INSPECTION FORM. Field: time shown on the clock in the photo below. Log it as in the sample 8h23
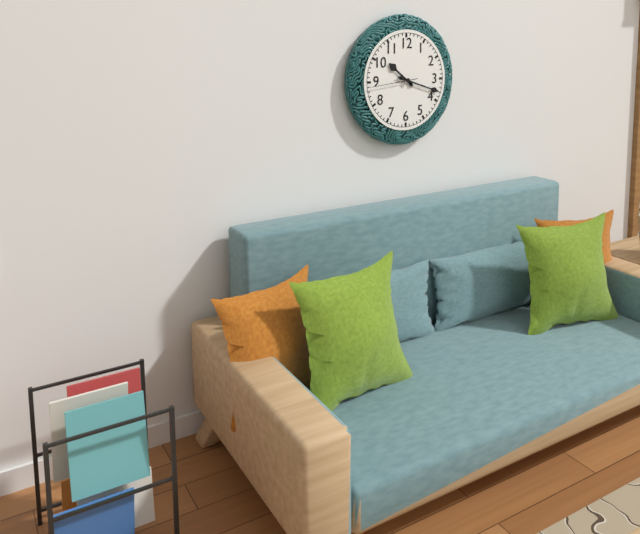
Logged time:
10h18
